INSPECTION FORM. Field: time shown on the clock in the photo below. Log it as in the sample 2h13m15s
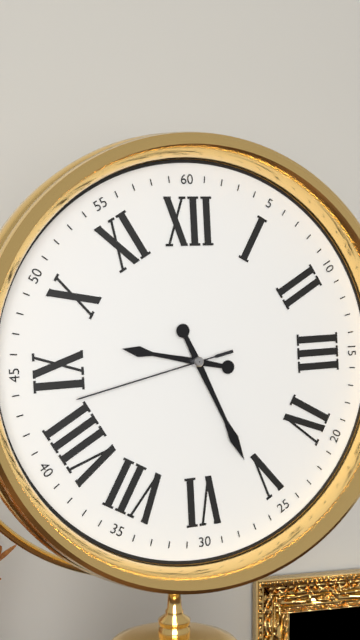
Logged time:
9h26m43s
